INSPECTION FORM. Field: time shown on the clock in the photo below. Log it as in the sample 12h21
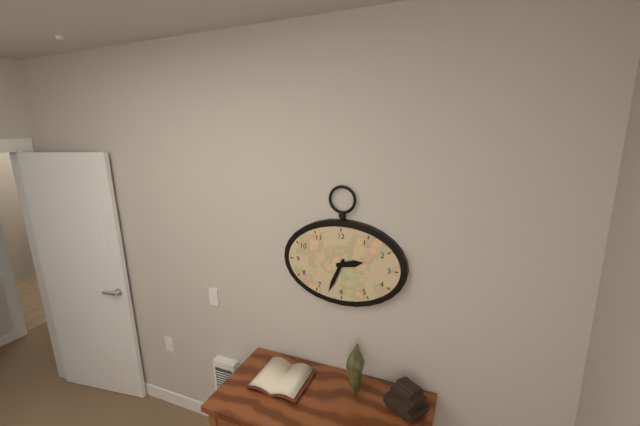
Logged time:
2h34
